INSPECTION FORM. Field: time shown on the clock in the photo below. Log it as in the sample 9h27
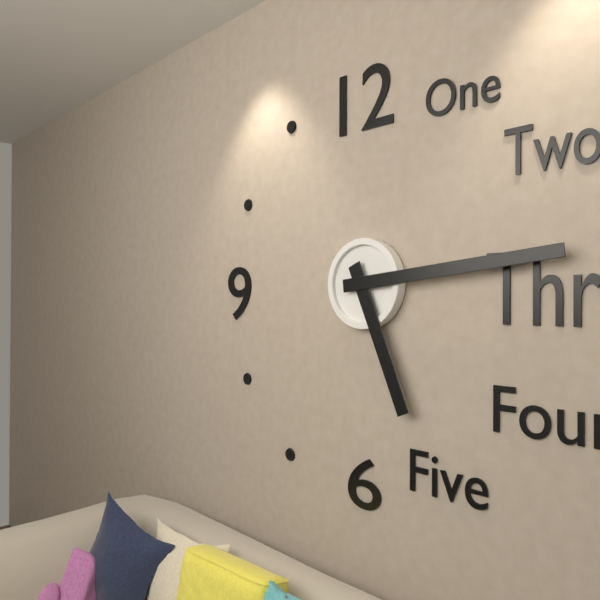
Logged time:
5h14
